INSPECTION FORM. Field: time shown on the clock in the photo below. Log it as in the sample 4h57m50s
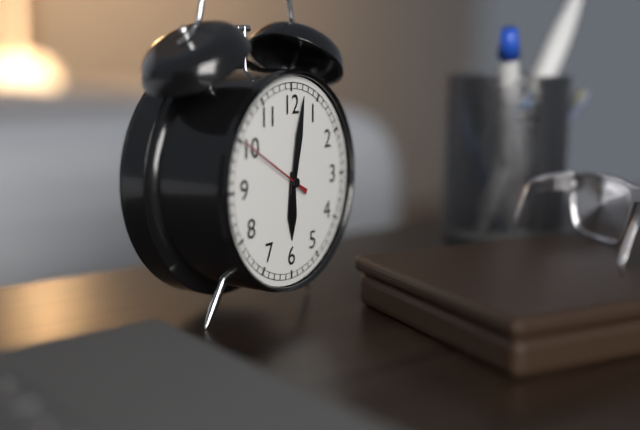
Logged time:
6h02m50s
